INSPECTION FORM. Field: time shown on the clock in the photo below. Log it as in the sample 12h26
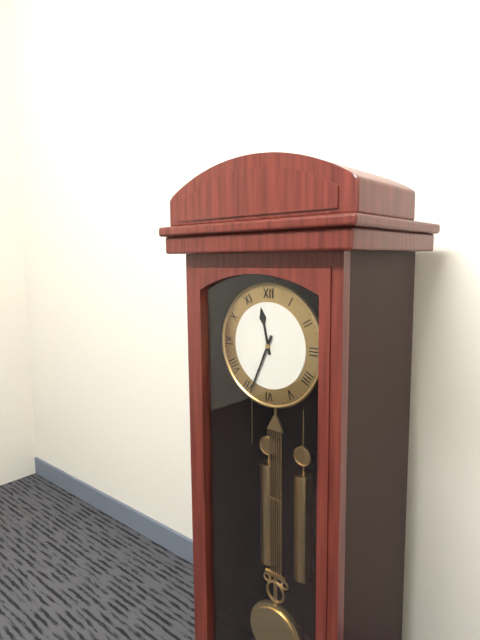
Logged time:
11h34
